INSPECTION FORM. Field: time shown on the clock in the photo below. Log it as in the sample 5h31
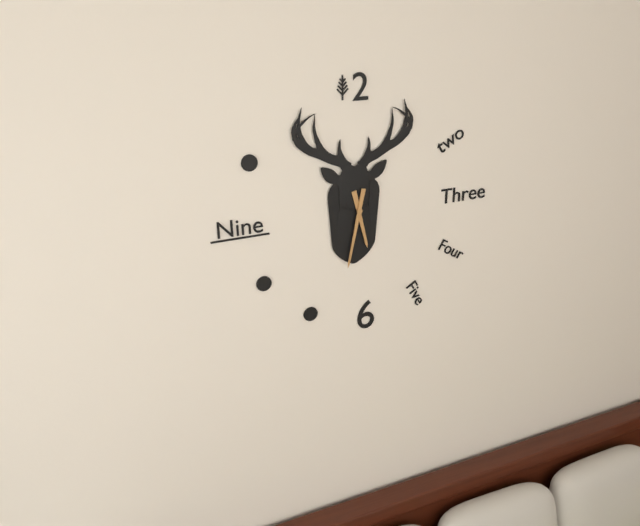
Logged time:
5h32
